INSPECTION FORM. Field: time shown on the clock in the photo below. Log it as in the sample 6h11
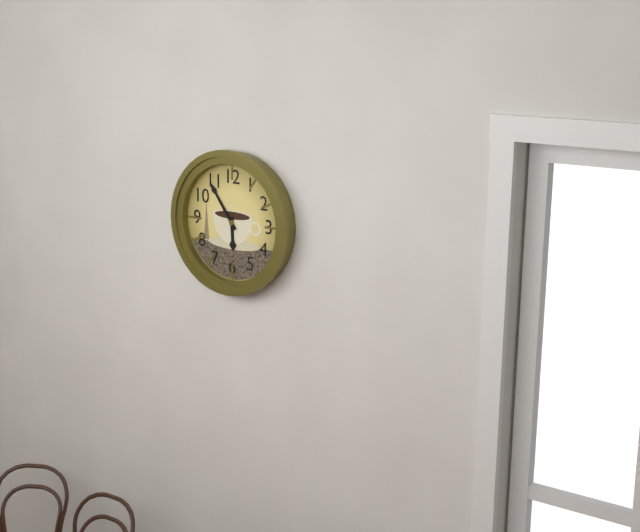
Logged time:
5h54
